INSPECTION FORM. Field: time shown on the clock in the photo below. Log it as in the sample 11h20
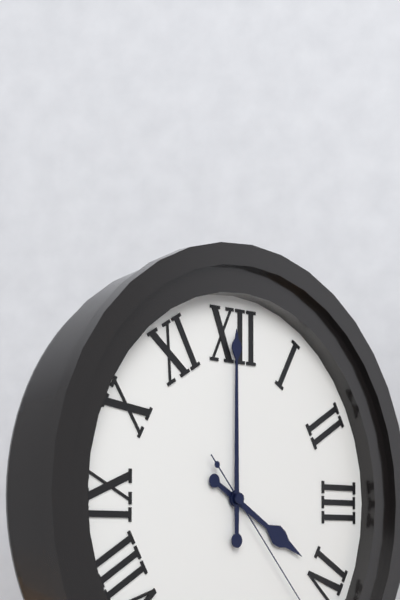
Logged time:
4h00
